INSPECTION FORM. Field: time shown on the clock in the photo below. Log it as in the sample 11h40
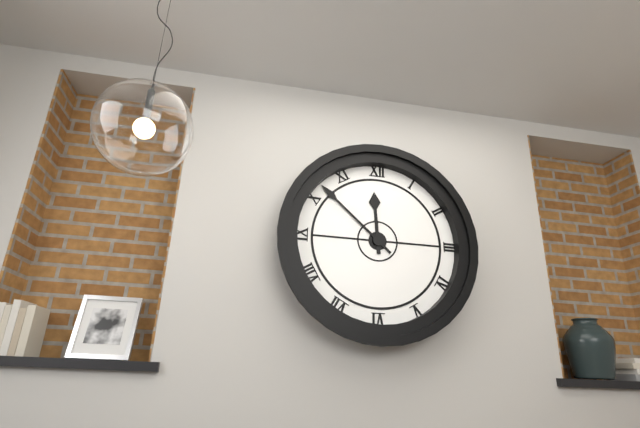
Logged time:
11h52
